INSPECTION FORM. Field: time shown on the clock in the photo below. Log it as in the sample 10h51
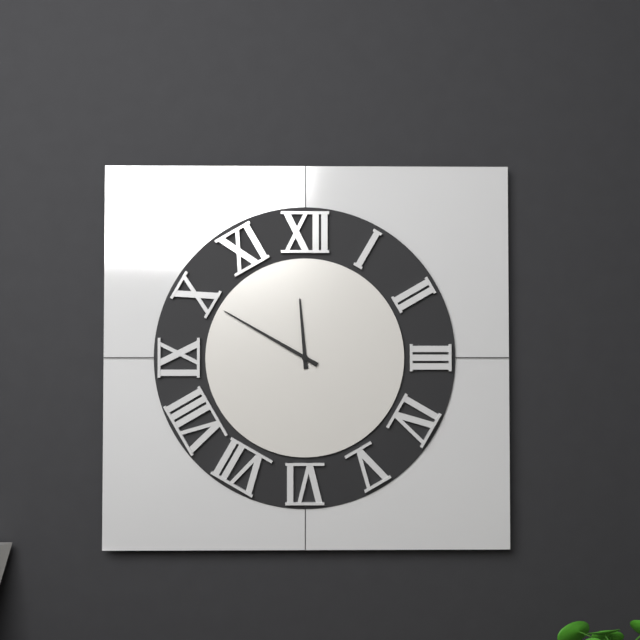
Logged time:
11h50
